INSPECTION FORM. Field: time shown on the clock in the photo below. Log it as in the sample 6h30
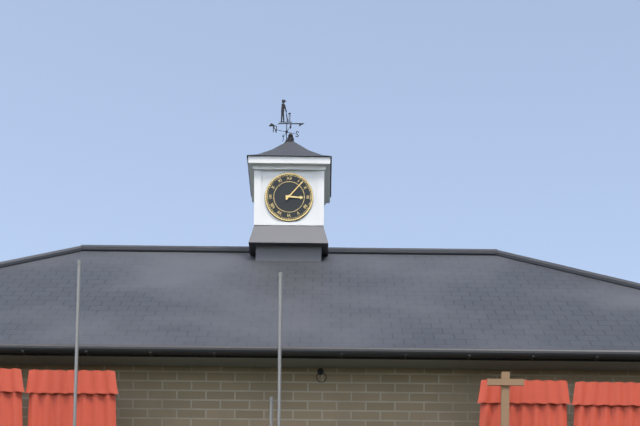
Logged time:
3h07
